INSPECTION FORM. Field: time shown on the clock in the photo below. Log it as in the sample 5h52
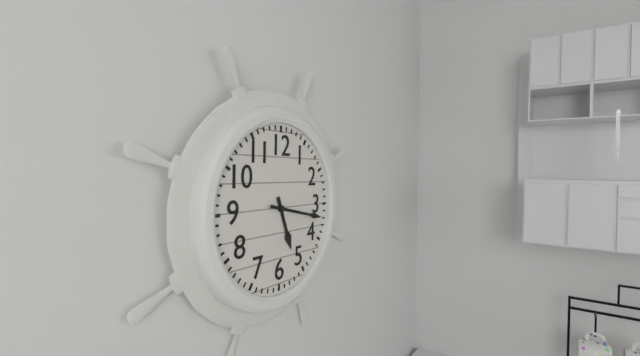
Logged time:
5h17
